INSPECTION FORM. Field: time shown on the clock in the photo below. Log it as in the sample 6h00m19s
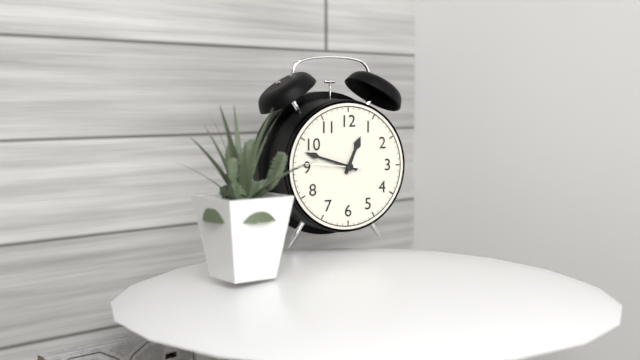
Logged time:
12h48m46s
